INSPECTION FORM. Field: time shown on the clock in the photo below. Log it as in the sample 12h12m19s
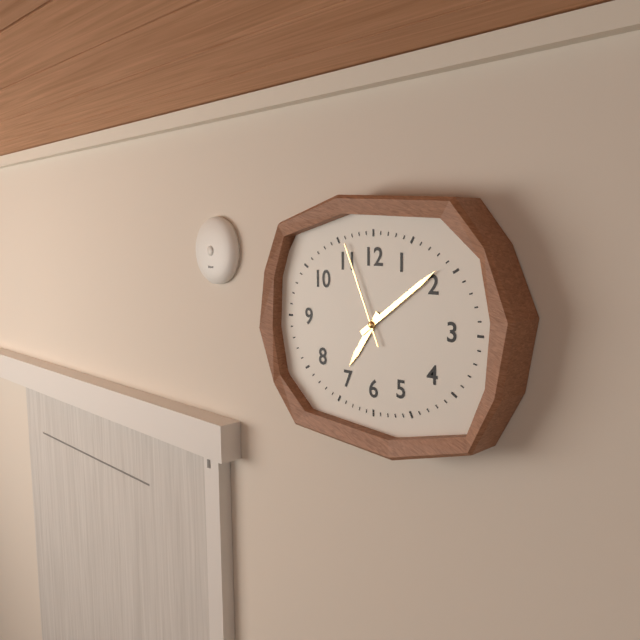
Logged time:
7h09m56s
